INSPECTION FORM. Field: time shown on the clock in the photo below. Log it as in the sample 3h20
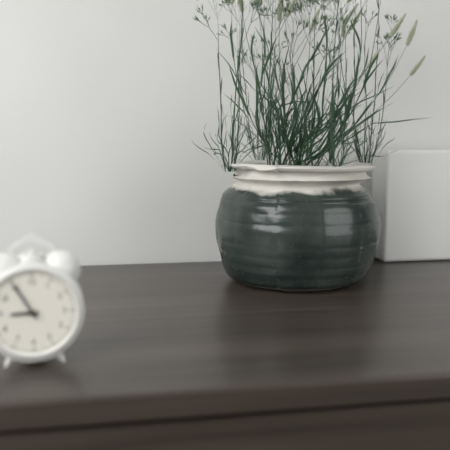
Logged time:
8h55
